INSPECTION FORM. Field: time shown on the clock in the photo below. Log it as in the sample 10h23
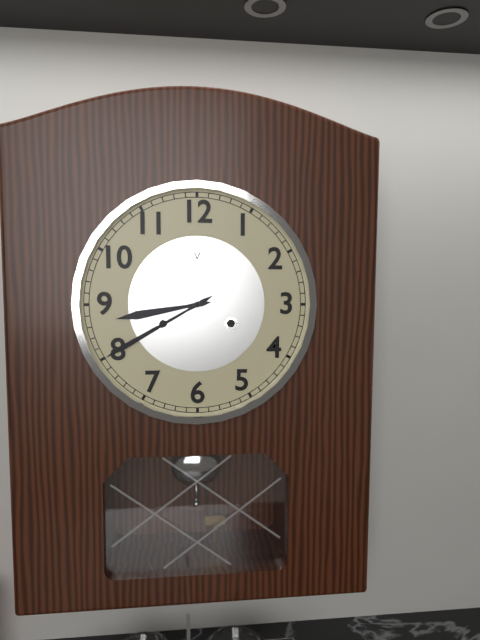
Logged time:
8h40
